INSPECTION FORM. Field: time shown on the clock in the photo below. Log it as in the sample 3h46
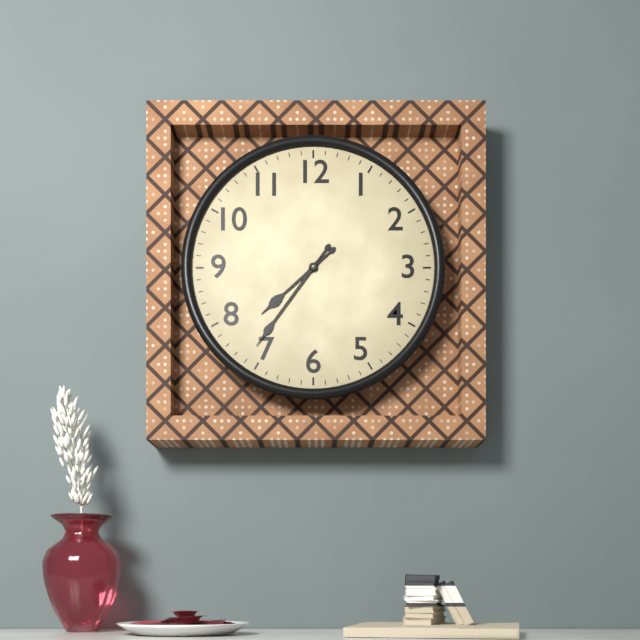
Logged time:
7h36
